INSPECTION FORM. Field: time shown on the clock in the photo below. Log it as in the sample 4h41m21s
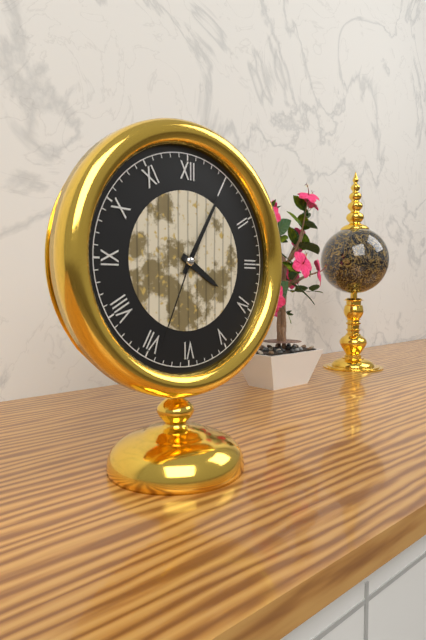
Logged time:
4h05m34s
